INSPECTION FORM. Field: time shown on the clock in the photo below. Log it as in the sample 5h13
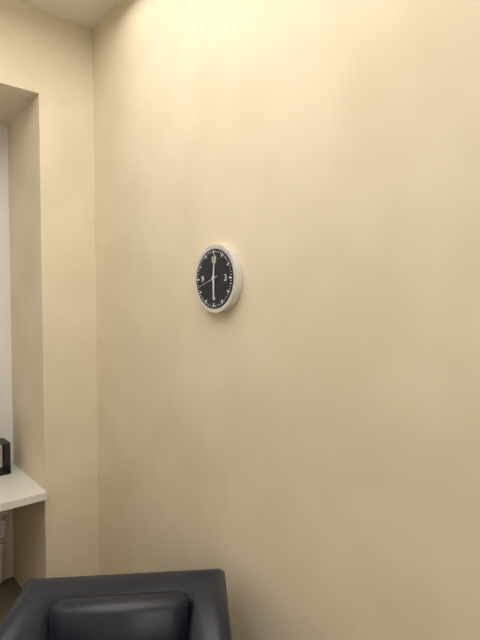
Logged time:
6h01
